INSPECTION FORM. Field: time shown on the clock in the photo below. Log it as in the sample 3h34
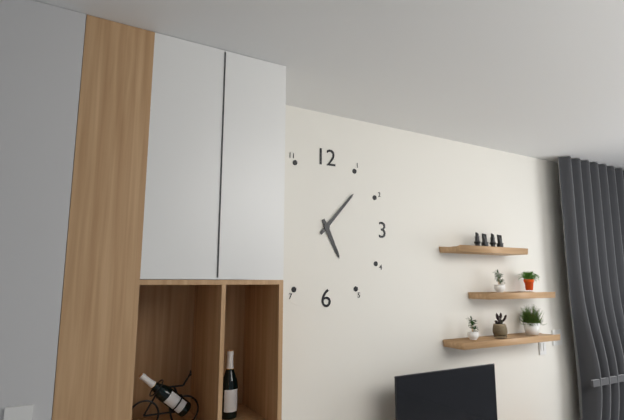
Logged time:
5h07
